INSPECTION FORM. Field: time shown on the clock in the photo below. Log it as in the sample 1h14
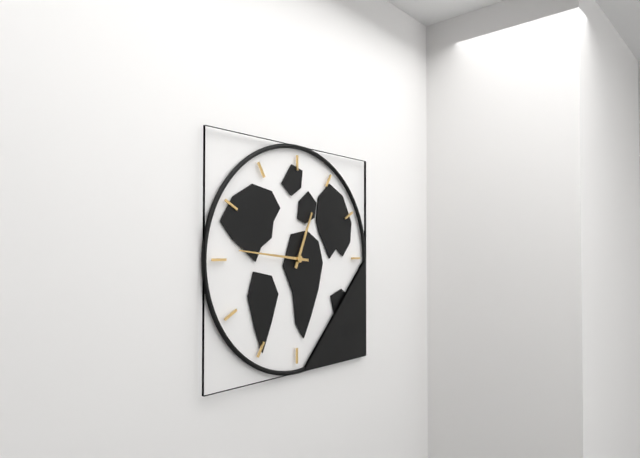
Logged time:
12h46
